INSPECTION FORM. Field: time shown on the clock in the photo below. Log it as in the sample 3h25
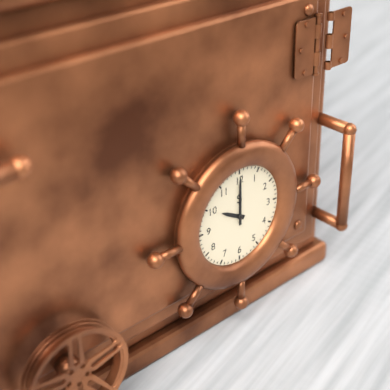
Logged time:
10h00
